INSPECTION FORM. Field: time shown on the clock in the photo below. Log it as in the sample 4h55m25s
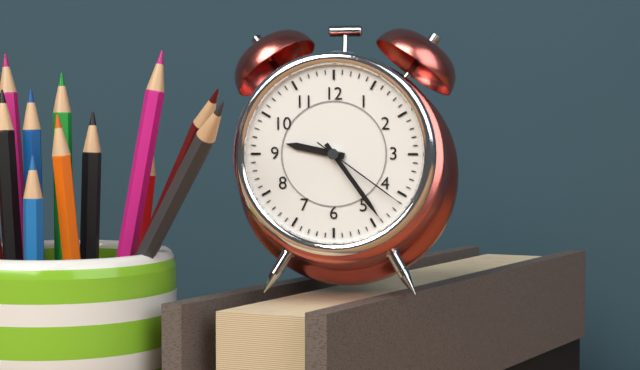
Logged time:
9h24m21s
